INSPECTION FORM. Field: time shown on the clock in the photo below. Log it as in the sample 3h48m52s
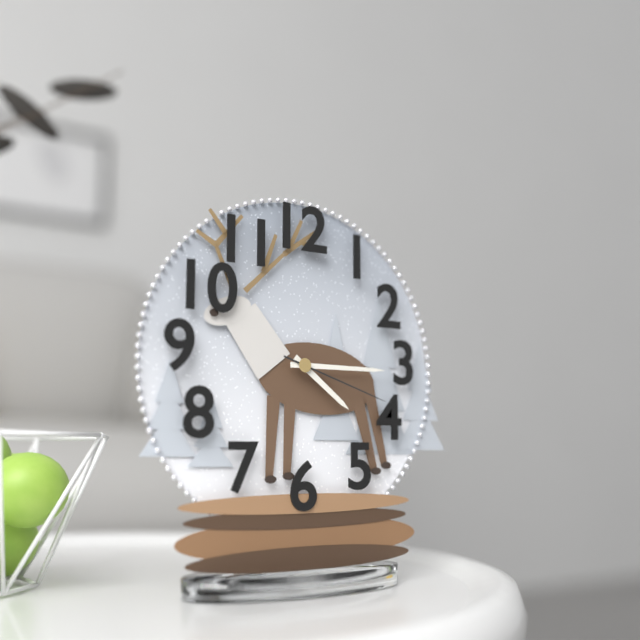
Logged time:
4h15m18s
